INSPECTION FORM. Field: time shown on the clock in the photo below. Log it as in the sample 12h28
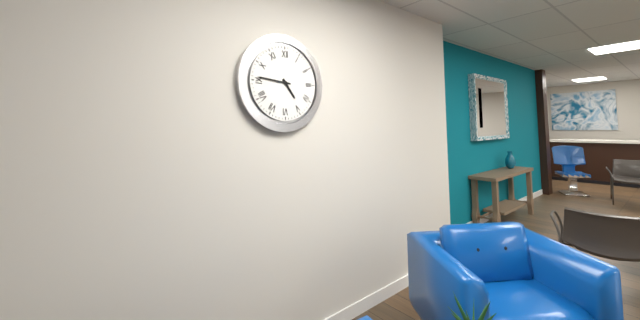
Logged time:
4h46
